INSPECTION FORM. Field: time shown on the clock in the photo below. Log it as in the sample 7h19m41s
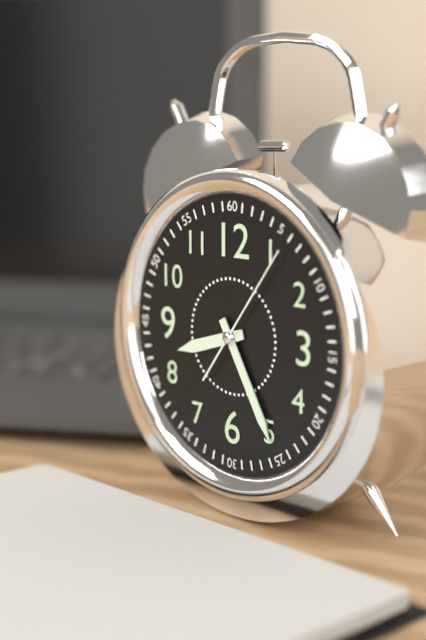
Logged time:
8h25m06s
